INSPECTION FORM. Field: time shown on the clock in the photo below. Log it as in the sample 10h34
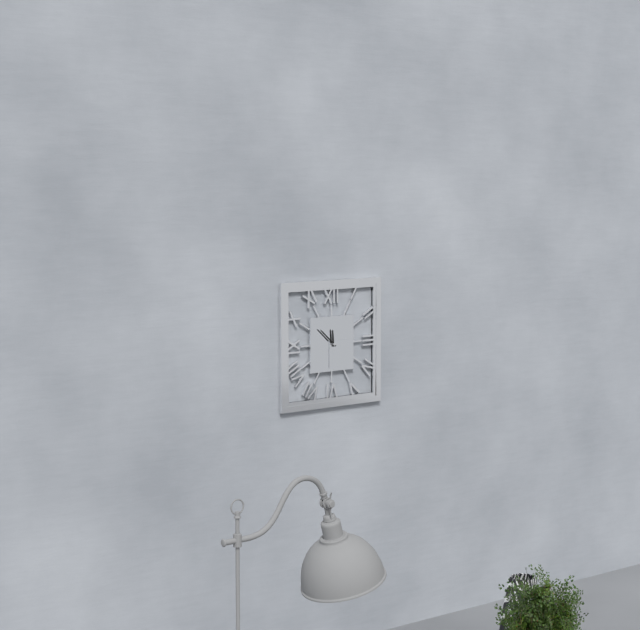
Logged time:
11h52
